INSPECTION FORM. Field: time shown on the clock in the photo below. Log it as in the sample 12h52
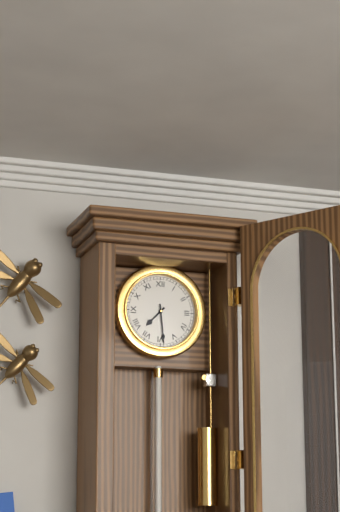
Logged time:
7h29
